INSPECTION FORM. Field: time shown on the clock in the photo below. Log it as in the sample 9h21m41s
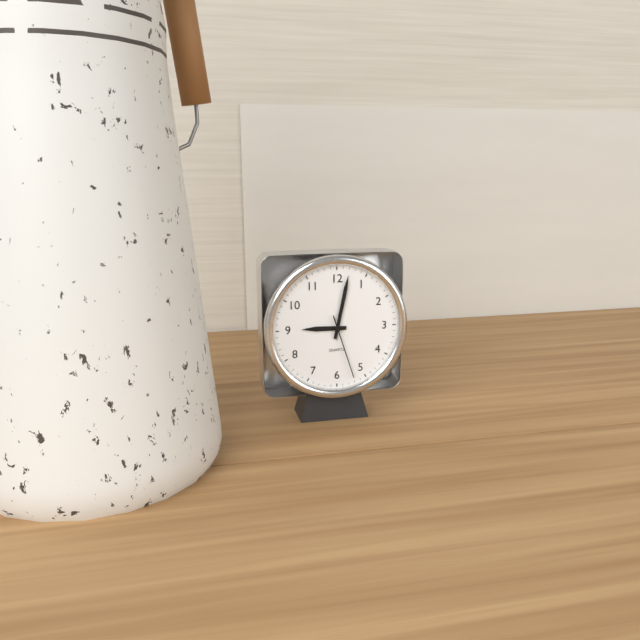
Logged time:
9h02m27s
